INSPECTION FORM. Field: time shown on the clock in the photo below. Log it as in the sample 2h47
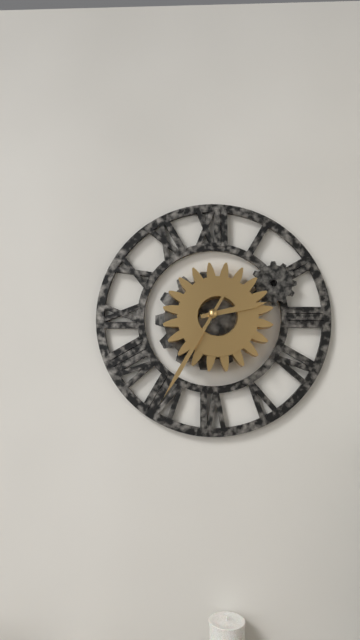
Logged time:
2h35
